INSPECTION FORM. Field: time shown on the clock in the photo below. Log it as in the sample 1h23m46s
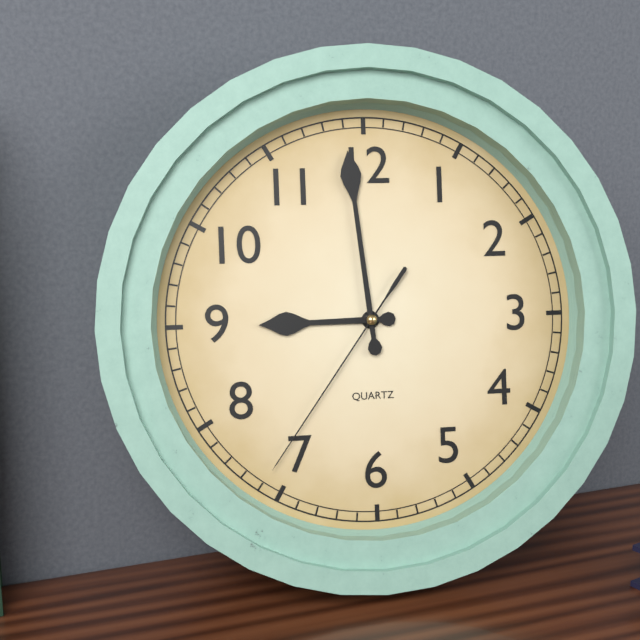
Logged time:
8h59m36s
